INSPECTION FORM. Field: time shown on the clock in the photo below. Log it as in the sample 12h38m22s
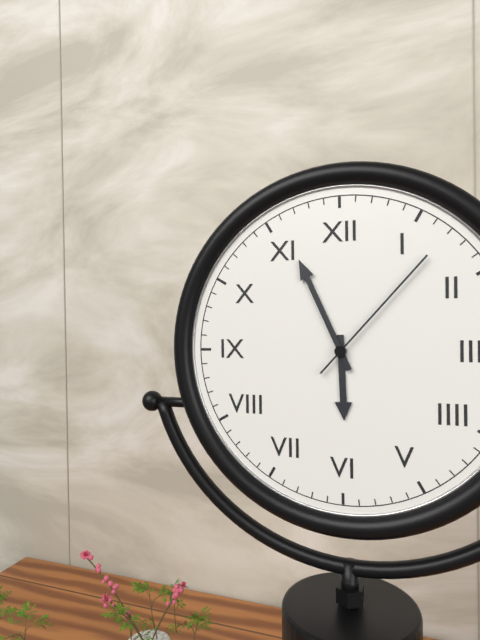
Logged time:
5h56m07s
